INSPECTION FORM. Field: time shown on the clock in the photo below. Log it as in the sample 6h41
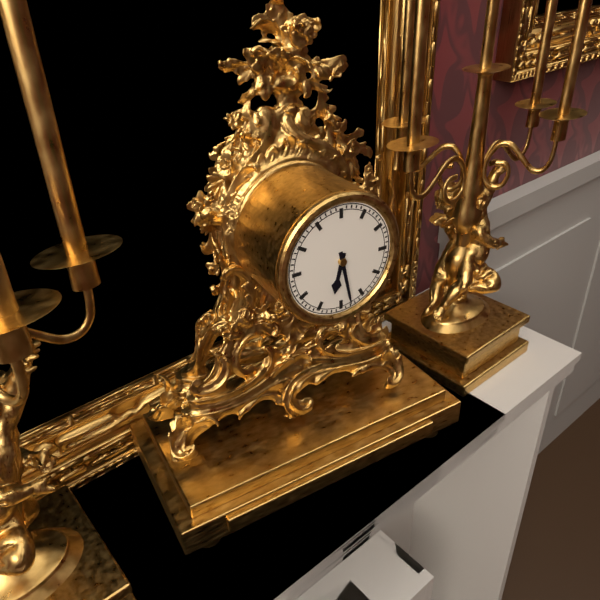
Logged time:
6h28
